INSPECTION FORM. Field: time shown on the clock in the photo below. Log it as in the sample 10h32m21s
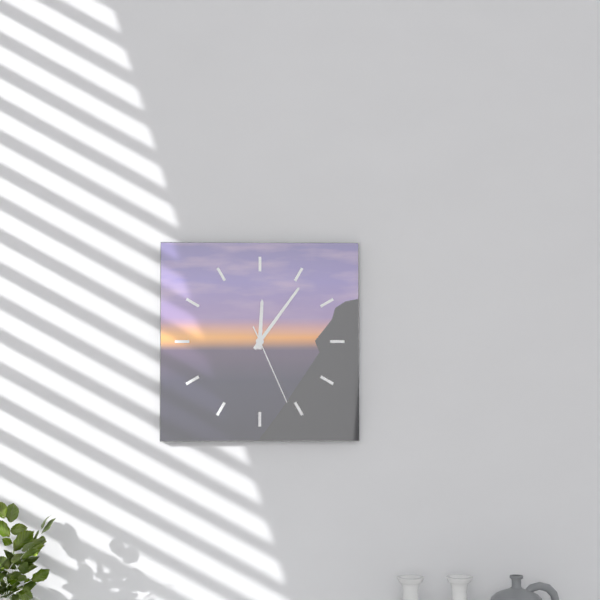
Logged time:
12h06m26s
